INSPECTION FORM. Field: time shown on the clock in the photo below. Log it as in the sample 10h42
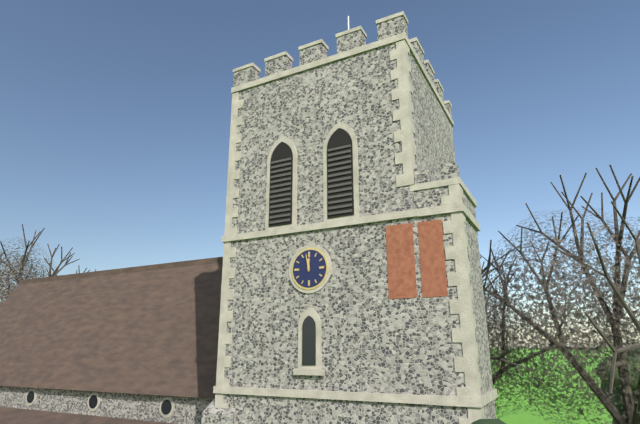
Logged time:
11h58
